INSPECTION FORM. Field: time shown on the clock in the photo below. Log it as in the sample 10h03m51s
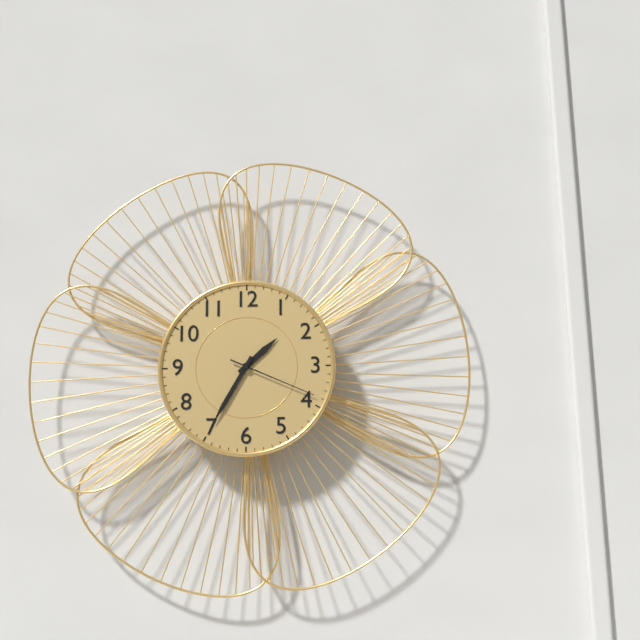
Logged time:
1h35m19s
